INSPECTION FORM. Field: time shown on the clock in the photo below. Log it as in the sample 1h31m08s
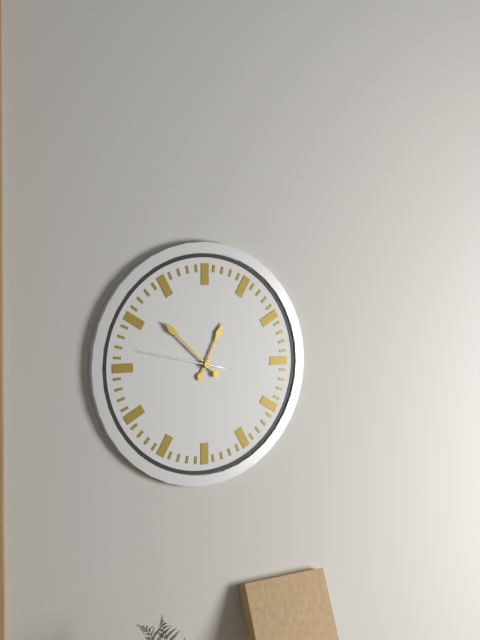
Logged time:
12h52m47s
